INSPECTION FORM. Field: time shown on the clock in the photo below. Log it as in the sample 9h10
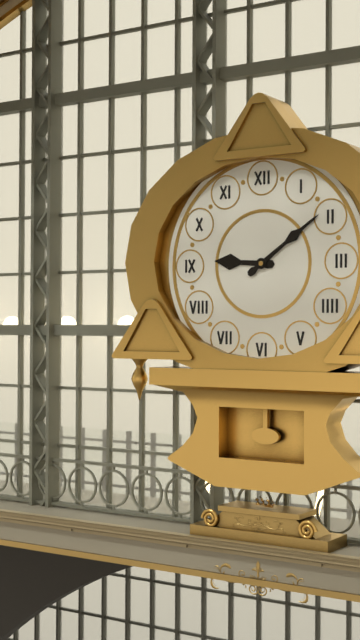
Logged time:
9h09
